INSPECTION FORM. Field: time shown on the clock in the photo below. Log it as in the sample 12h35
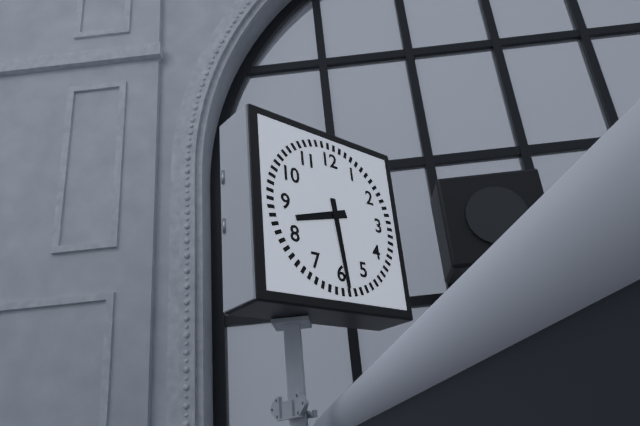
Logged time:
8h29
